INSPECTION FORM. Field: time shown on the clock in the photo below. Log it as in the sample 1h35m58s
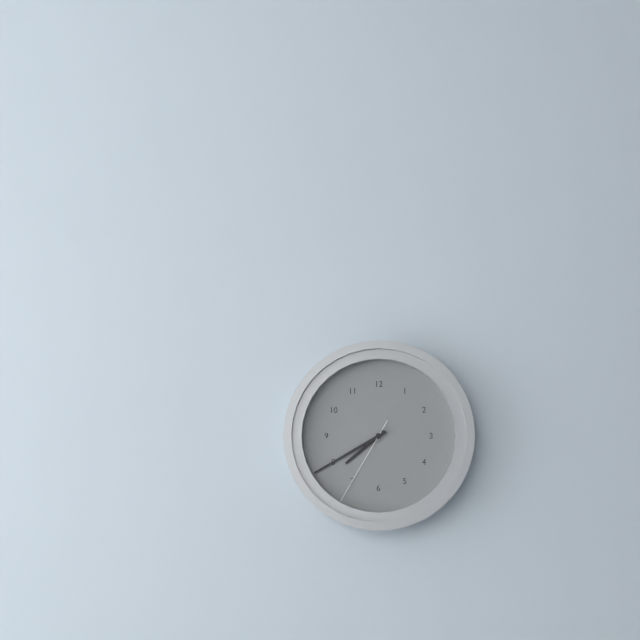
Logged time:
7h40m35s
